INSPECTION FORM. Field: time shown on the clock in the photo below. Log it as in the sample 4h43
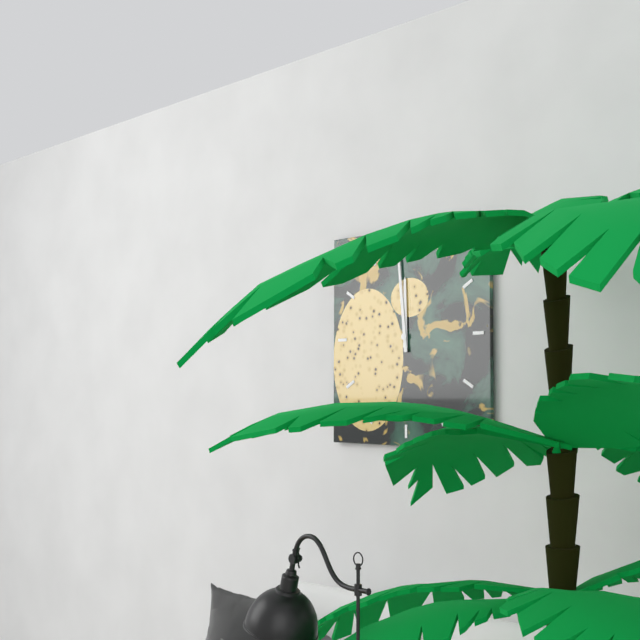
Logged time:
11h59
